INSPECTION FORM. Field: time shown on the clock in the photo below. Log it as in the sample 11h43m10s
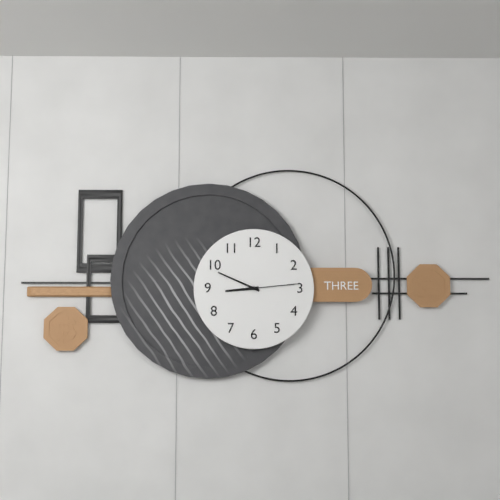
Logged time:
8h49m14s
